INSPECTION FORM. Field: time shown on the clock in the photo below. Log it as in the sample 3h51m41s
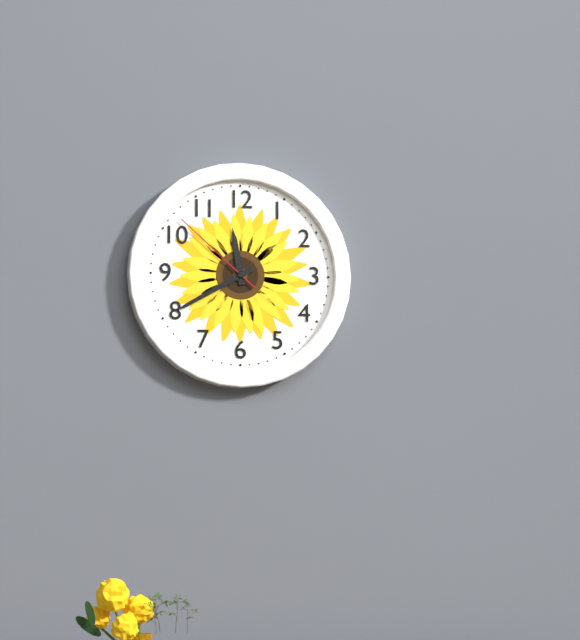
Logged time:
11h40m52s
